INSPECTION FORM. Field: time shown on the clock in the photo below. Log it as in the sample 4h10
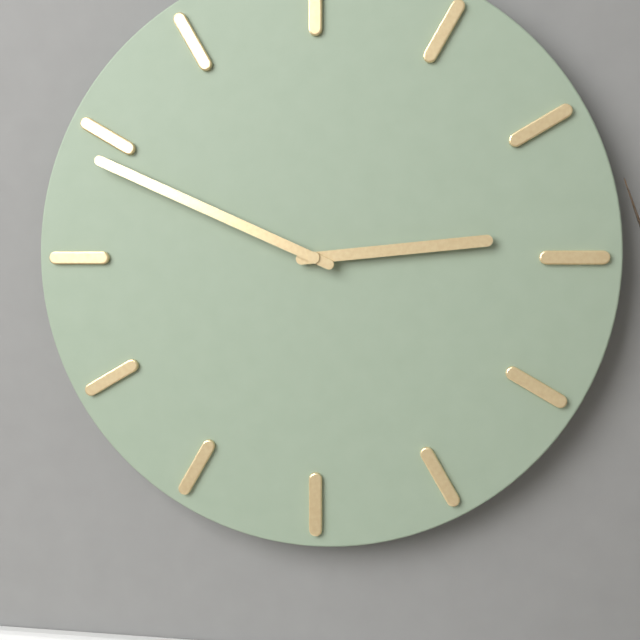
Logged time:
2h49
